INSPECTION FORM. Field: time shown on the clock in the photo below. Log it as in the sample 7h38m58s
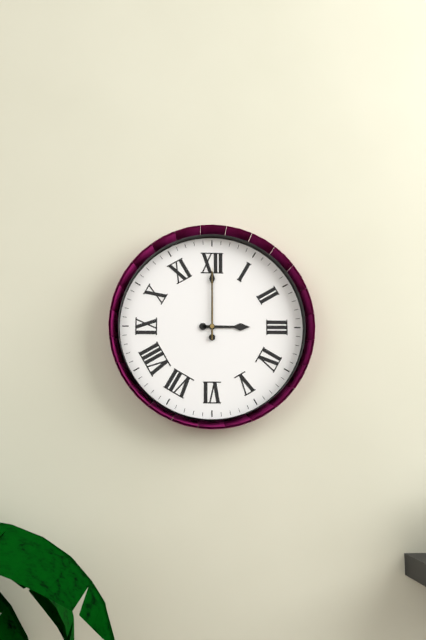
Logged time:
3h00m00s
